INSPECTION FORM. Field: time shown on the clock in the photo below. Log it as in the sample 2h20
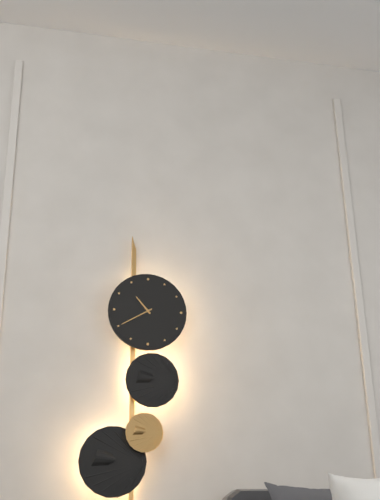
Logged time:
10h40
